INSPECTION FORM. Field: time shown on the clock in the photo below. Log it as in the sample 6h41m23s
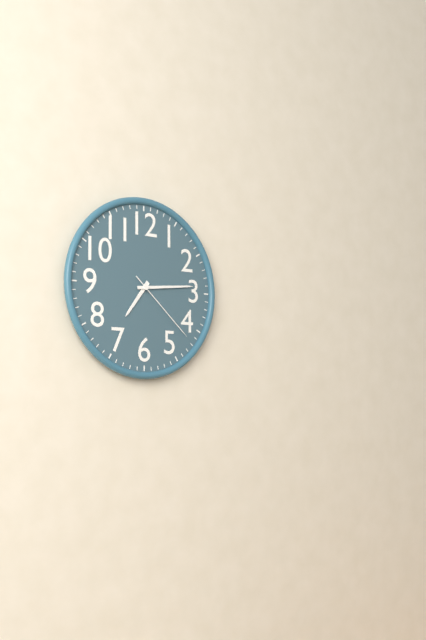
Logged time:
7h14m22s
